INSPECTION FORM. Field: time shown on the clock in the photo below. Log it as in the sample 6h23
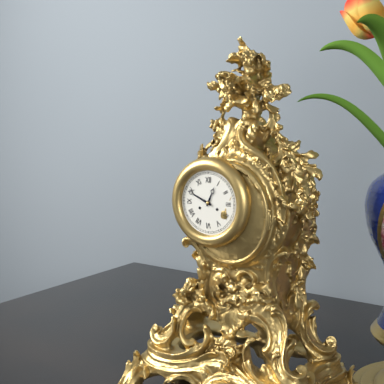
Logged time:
12h49
